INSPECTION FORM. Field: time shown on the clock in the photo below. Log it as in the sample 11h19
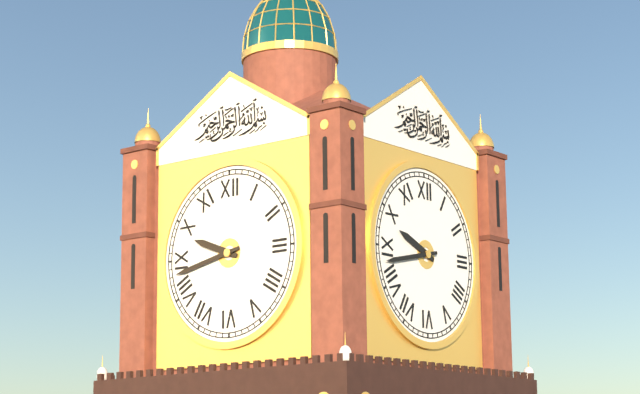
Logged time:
9h43
